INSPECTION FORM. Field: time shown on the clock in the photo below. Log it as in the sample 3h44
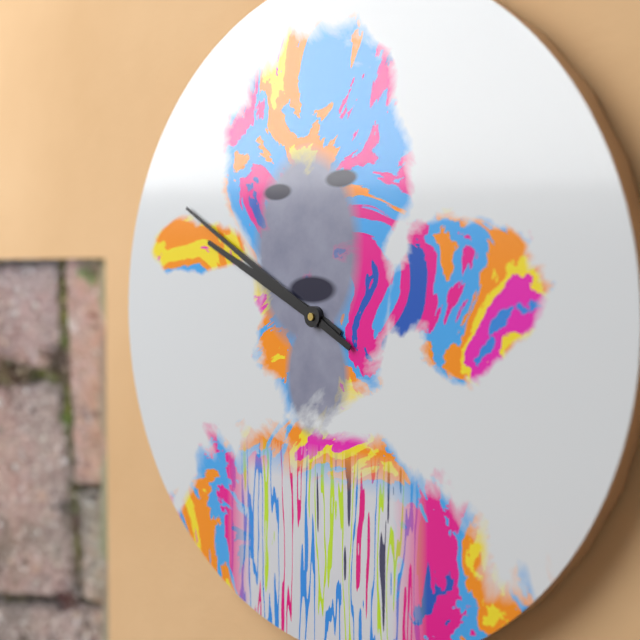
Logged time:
9h50
